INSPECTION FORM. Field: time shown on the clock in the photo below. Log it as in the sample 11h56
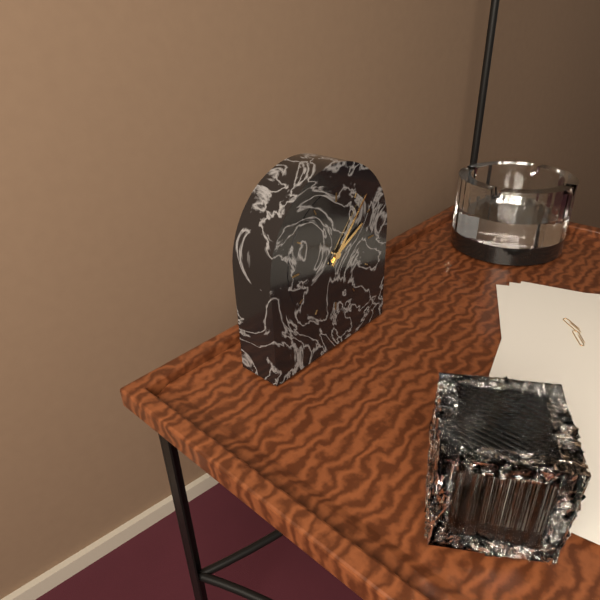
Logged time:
2h07
